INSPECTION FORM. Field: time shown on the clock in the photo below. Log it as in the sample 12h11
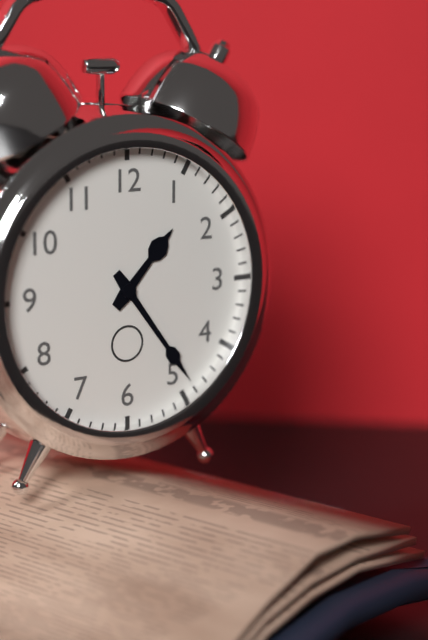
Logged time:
1h24
